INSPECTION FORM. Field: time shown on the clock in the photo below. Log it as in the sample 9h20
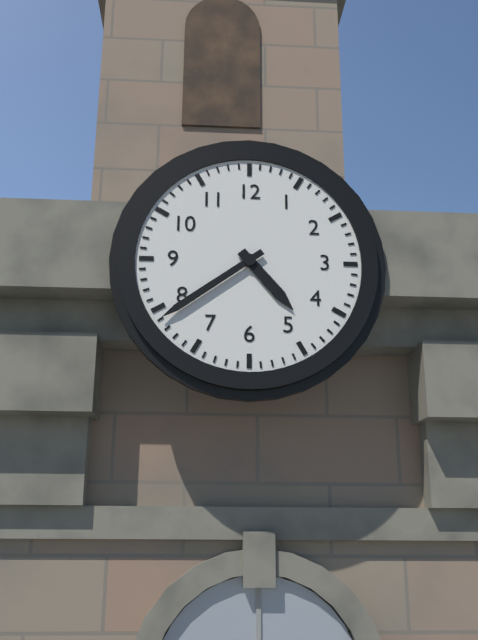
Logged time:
4h39
